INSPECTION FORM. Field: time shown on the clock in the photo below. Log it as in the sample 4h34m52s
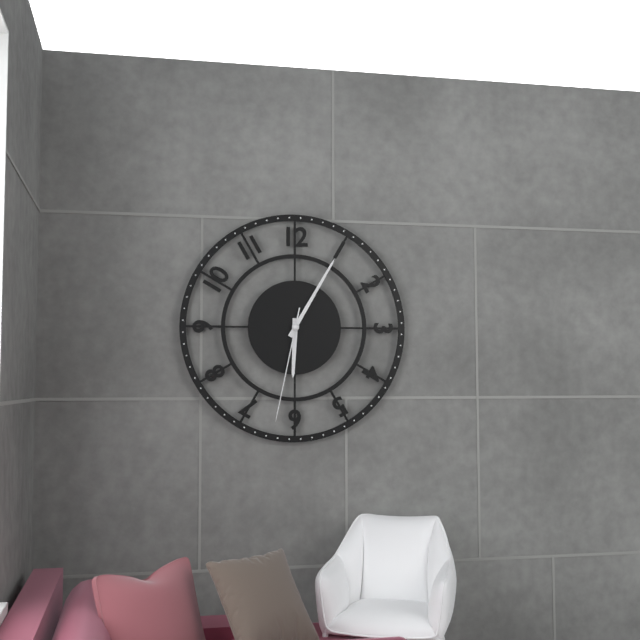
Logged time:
6h05m32s
